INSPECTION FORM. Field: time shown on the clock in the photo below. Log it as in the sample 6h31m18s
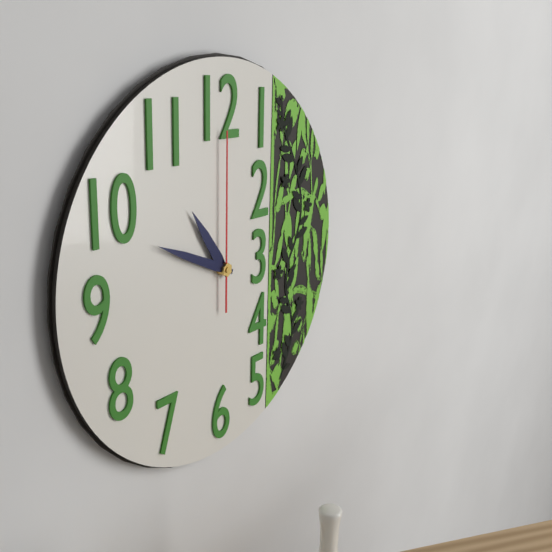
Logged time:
10h49m00s
